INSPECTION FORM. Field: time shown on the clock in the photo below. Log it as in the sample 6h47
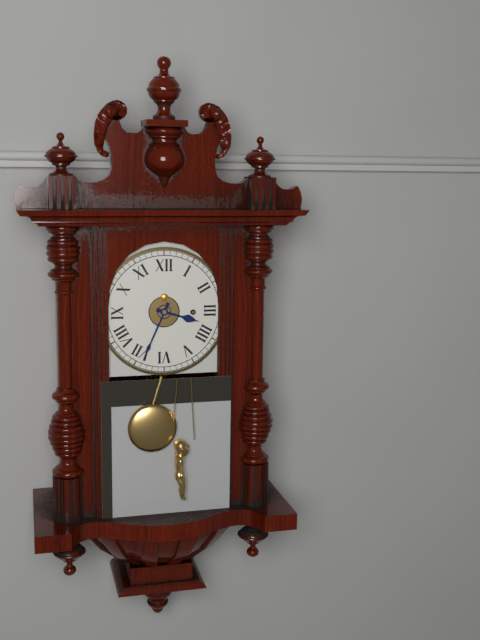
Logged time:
3h34
